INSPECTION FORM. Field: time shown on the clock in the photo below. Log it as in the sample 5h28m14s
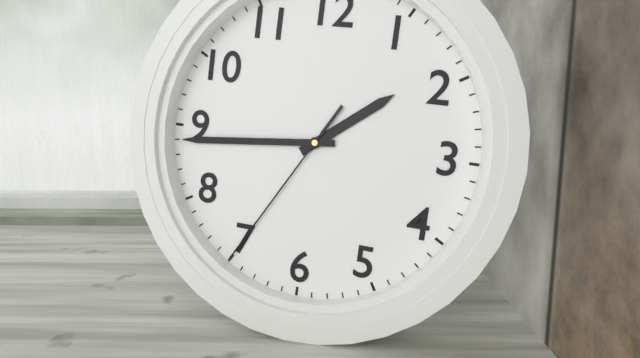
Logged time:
1h44m35s
